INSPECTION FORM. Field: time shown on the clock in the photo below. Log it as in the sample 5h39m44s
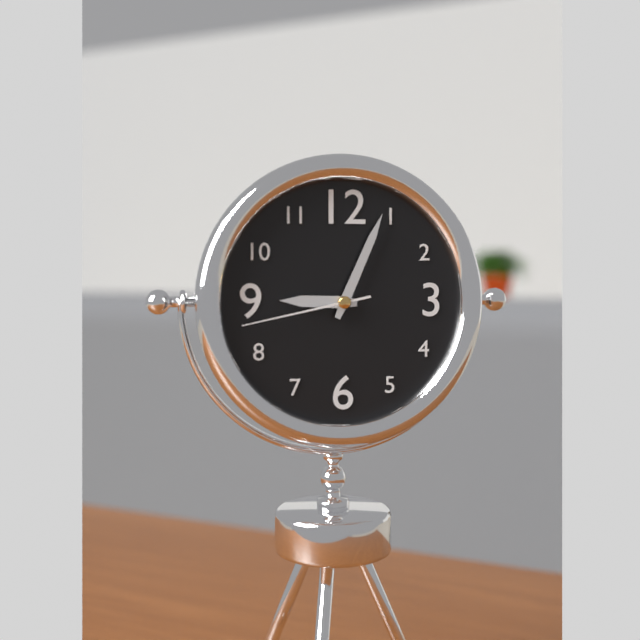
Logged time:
9h04m43s
